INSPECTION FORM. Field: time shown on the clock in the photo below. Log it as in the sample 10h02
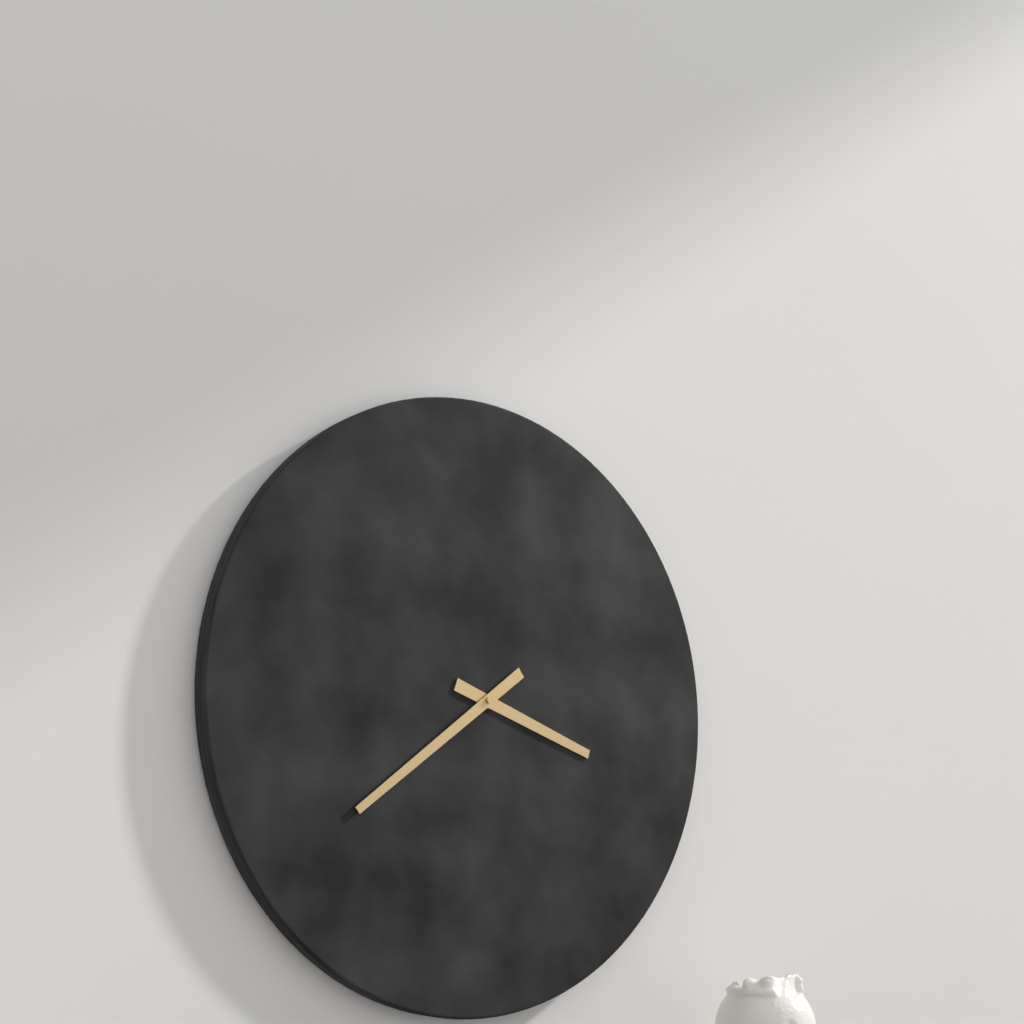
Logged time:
3h39
